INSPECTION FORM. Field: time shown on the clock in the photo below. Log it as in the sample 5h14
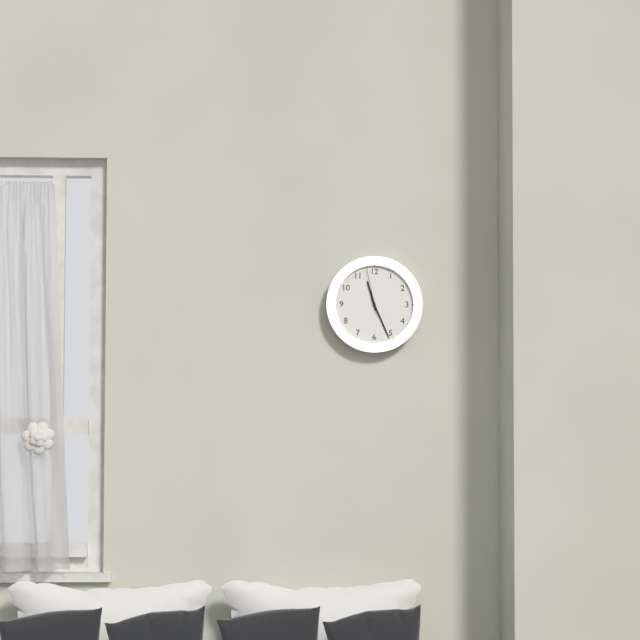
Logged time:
11h26
